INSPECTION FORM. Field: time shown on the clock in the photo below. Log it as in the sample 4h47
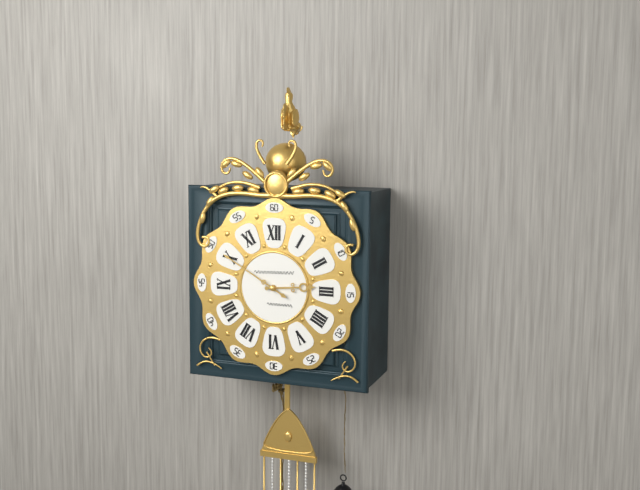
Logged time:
2h50
